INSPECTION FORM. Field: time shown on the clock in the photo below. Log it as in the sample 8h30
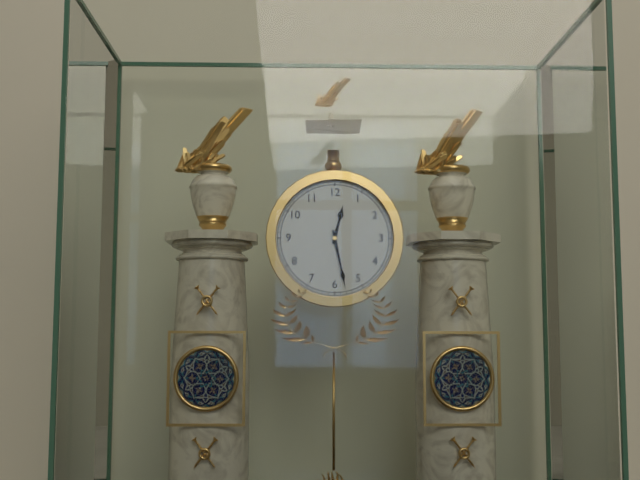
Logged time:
12h28
